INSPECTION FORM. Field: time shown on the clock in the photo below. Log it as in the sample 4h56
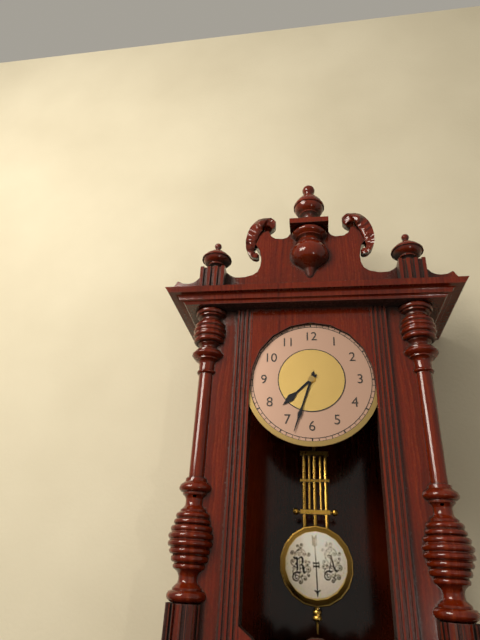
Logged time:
7h33
